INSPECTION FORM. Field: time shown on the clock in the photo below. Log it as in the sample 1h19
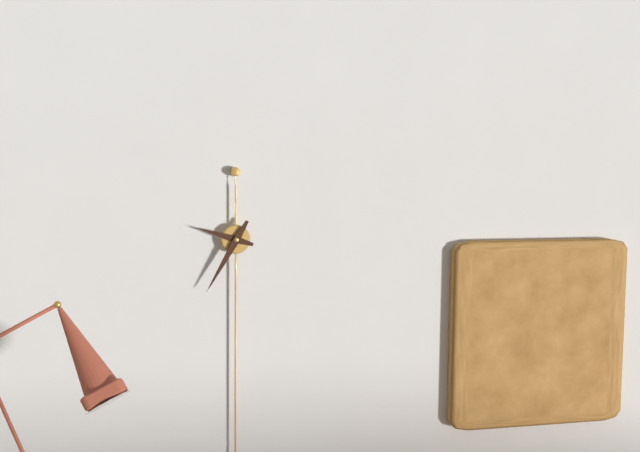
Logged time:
9h35
